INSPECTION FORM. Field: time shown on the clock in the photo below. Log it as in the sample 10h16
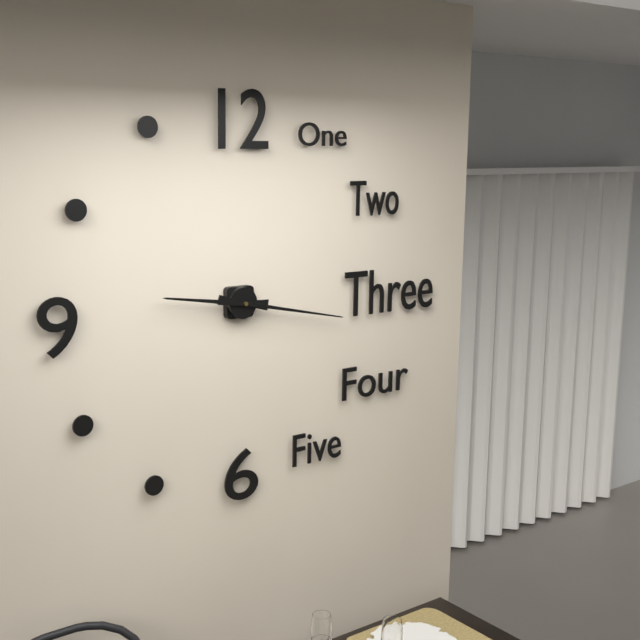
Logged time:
9h17
